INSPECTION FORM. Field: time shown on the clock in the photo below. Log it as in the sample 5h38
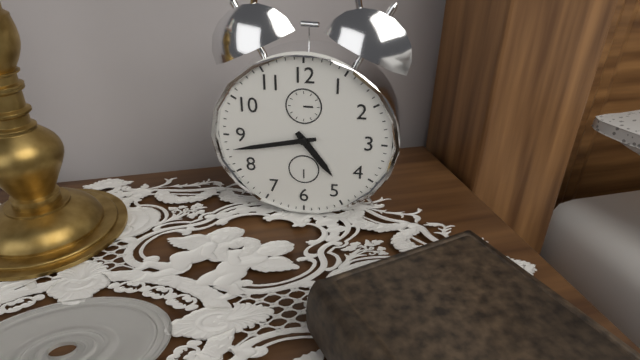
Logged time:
4h43
